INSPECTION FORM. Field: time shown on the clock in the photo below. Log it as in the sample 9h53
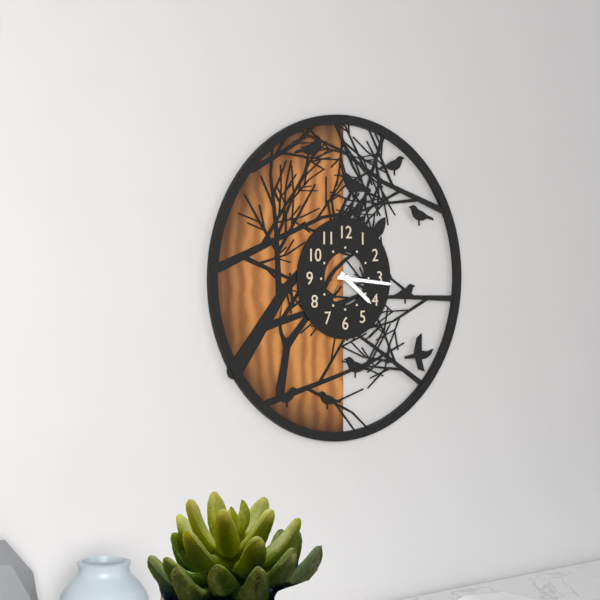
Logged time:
4h16
